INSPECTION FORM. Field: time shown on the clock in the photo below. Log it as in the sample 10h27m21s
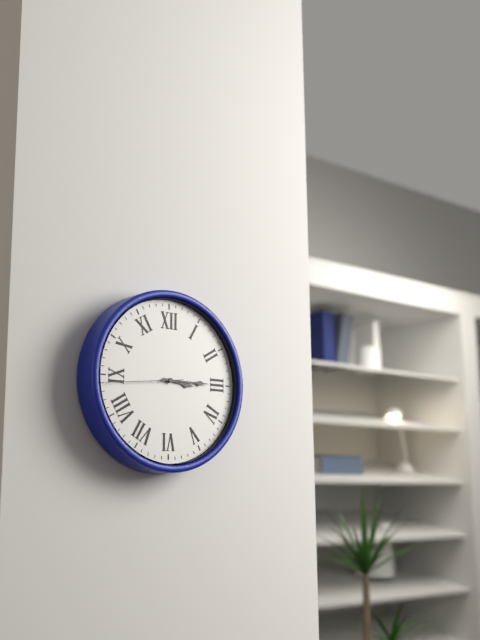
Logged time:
3h15m44s
